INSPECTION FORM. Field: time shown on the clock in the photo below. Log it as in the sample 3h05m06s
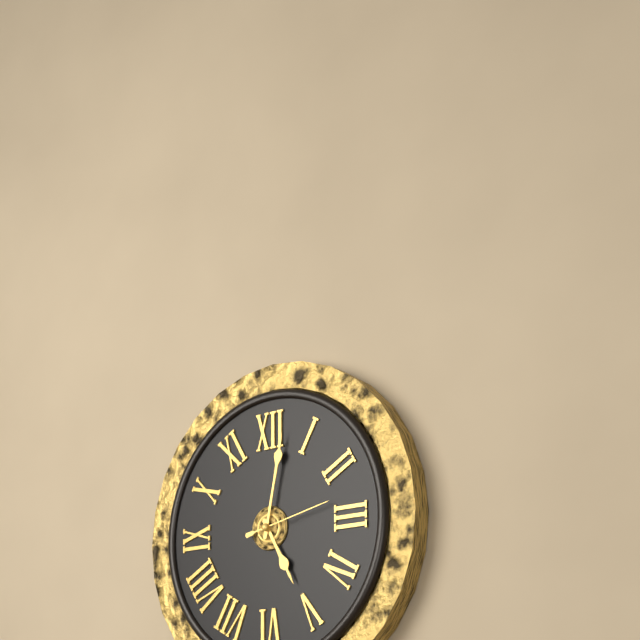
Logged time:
5h02m13s
